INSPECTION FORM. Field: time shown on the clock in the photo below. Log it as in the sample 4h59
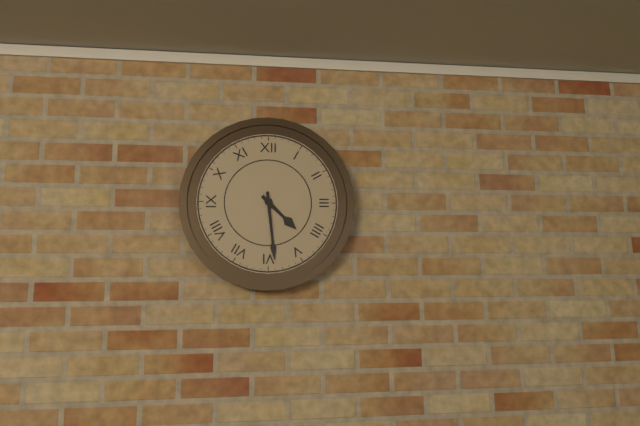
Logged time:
4h29
